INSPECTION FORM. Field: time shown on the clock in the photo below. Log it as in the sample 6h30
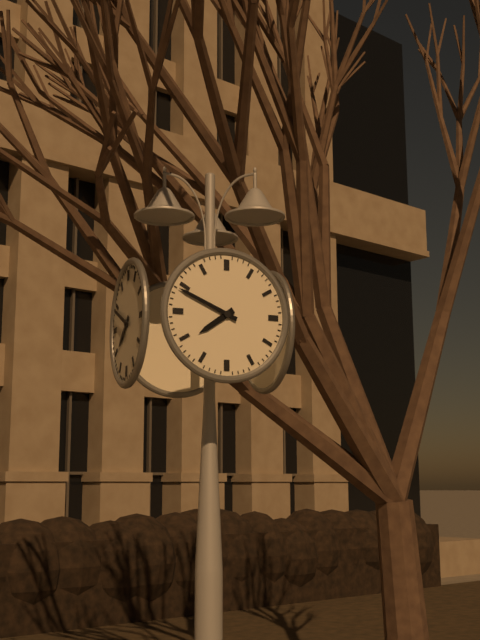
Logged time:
7h49
